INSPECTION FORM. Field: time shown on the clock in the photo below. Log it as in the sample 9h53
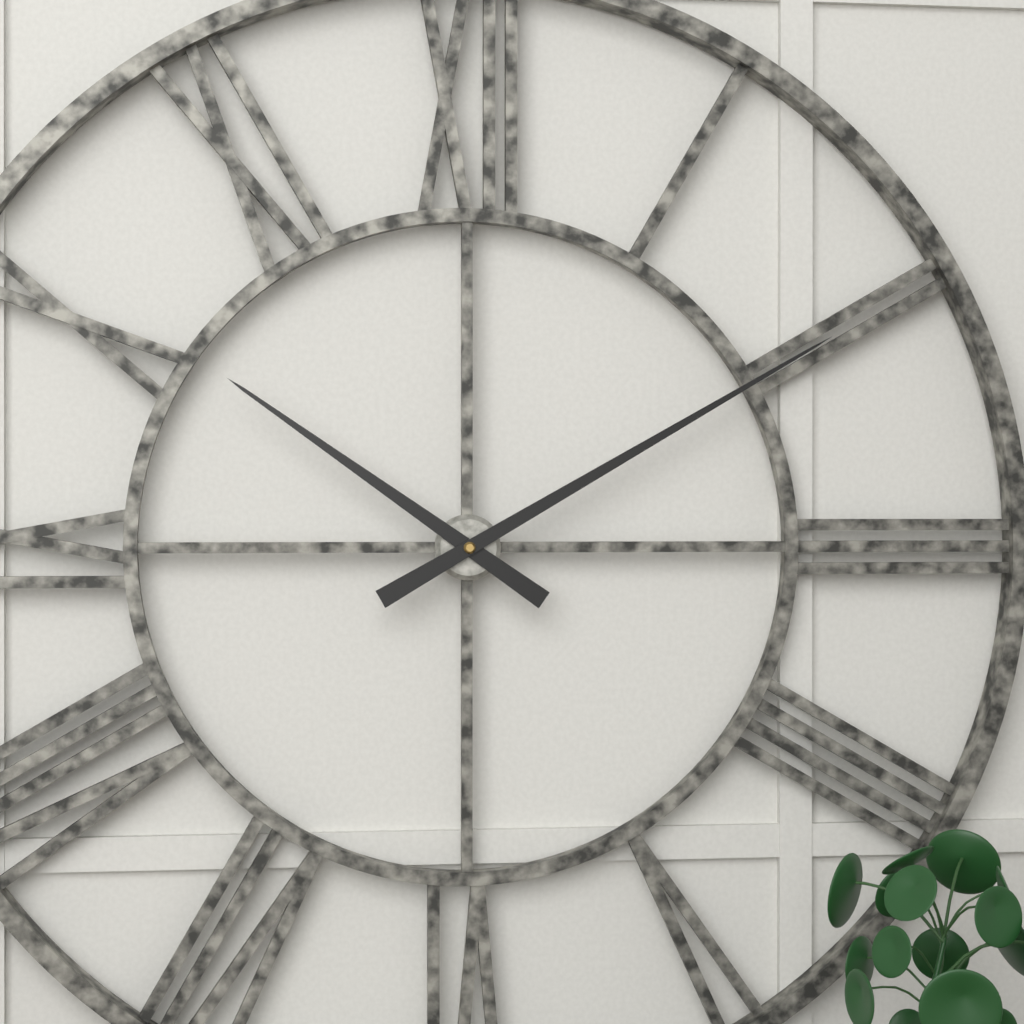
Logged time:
10h10
